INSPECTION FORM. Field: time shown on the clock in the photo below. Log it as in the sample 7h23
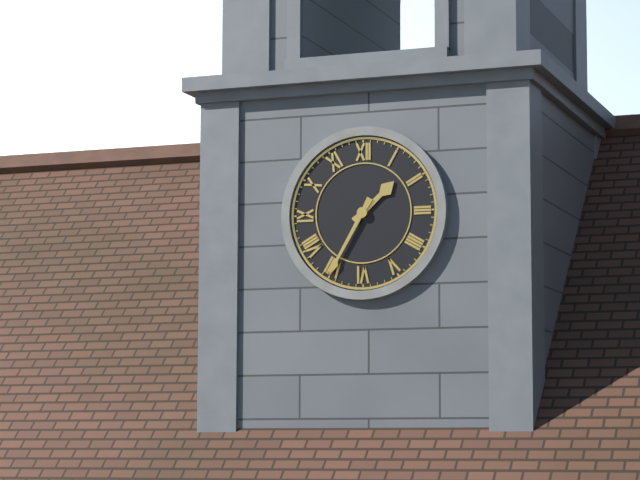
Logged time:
1h35
